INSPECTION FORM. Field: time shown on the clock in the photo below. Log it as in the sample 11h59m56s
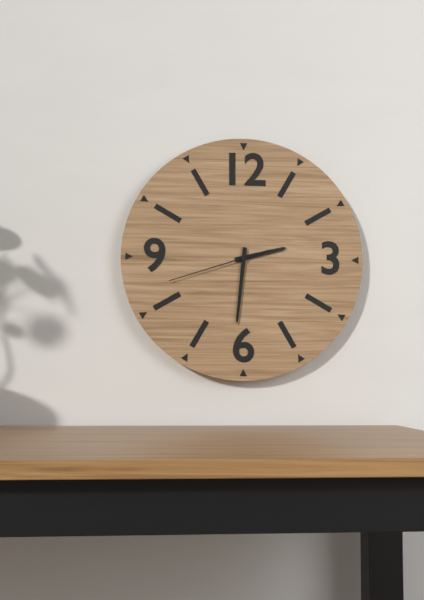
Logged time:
2h31m42s
